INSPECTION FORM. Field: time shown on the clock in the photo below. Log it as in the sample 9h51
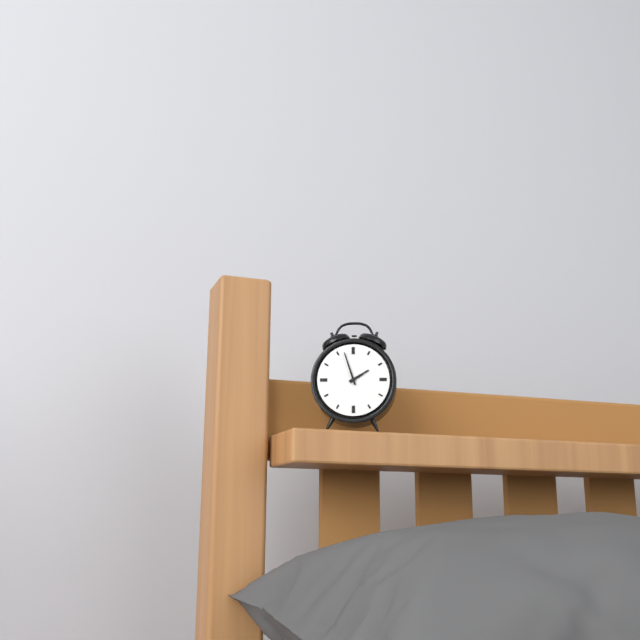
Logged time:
1h57
